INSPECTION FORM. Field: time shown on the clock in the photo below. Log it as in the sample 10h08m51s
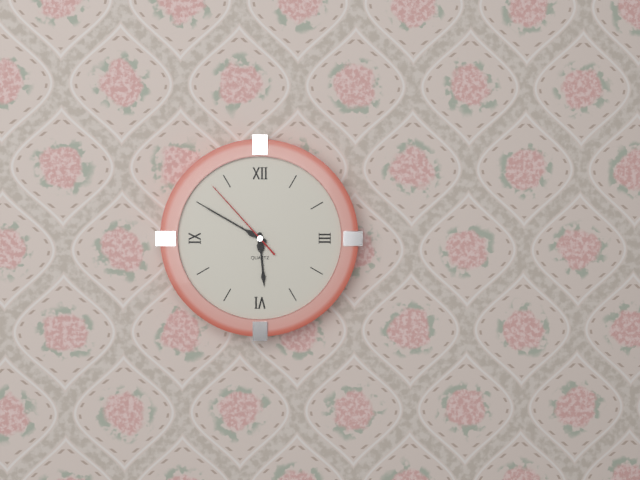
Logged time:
5h50m53s
